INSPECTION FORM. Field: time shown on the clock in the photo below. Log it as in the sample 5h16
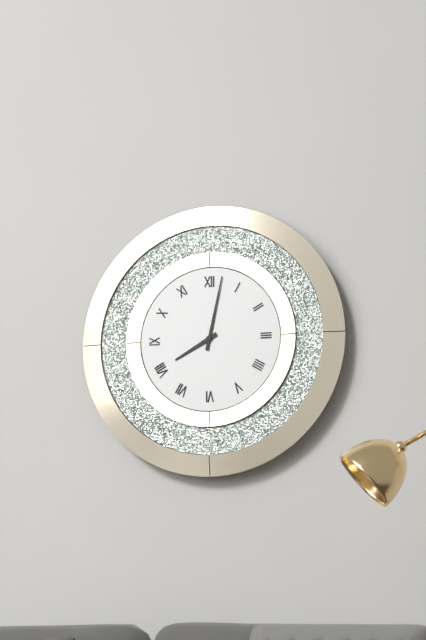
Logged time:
8h02
